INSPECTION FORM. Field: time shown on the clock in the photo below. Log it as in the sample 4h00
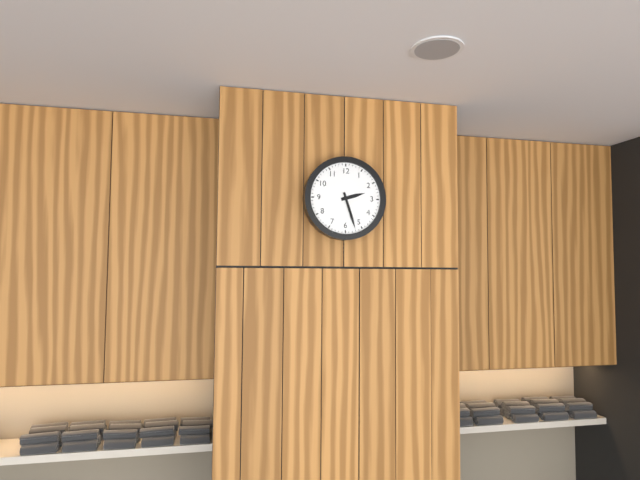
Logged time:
2h27
